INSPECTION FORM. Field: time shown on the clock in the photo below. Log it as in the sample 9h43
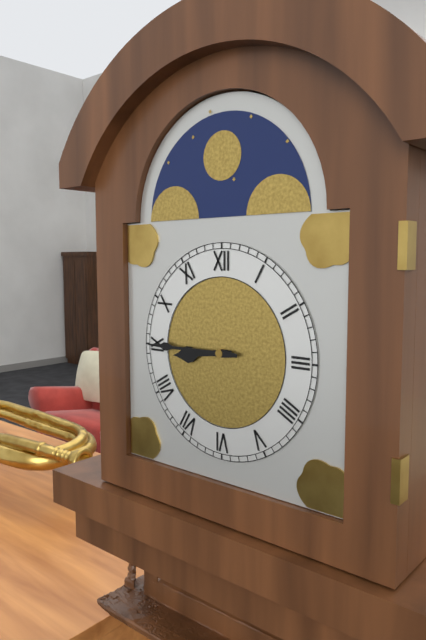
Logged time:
8h45
